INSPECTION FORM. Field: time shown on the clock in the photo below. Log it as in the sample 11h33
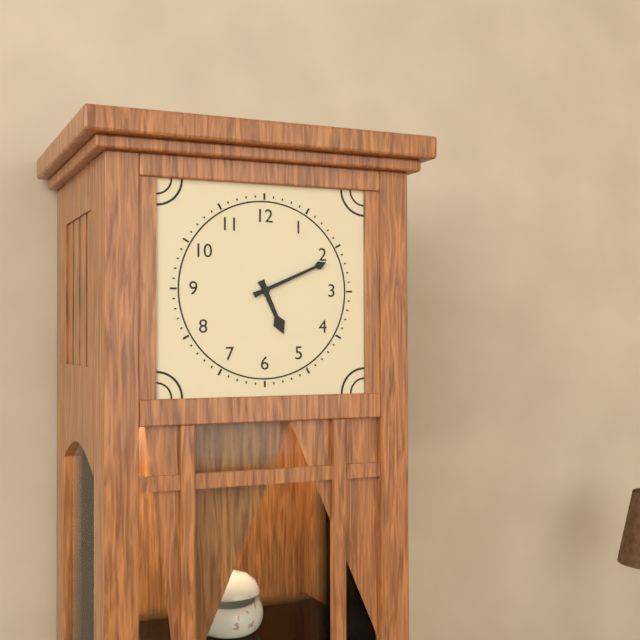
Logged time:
5h11
